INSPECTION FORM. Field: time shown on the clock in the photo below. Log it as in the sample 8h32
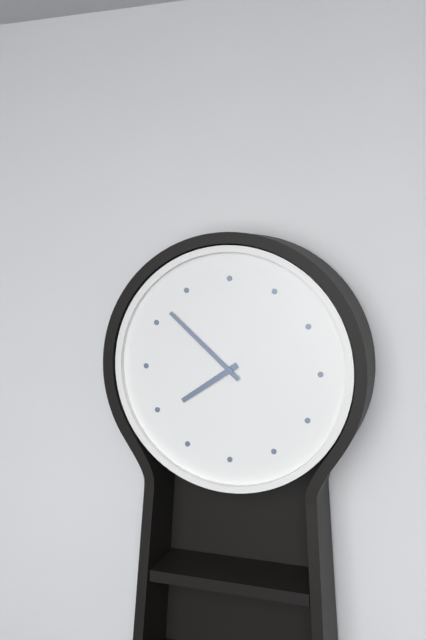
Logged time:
7h52
